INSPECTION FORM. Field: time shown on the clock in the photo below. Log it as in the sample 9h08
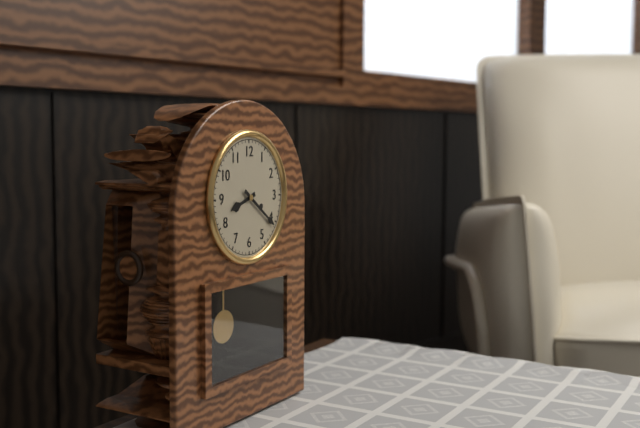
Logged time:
8h21
